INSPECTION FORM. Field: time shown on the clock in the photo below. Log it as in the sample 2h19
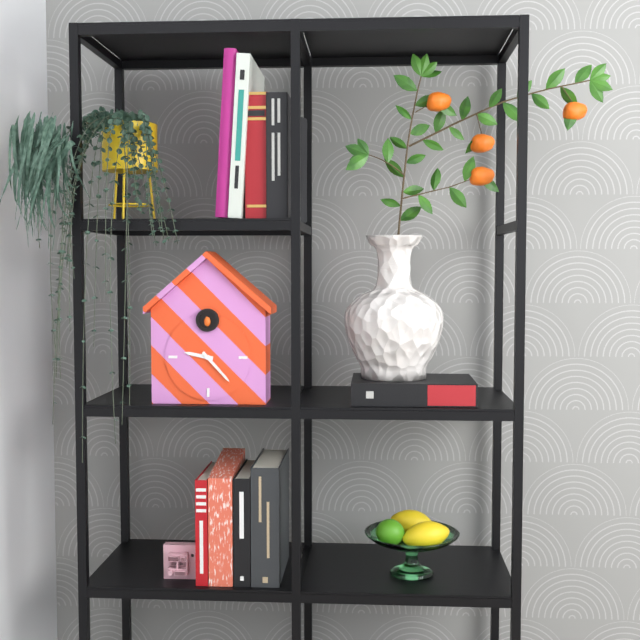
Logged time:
9h23
